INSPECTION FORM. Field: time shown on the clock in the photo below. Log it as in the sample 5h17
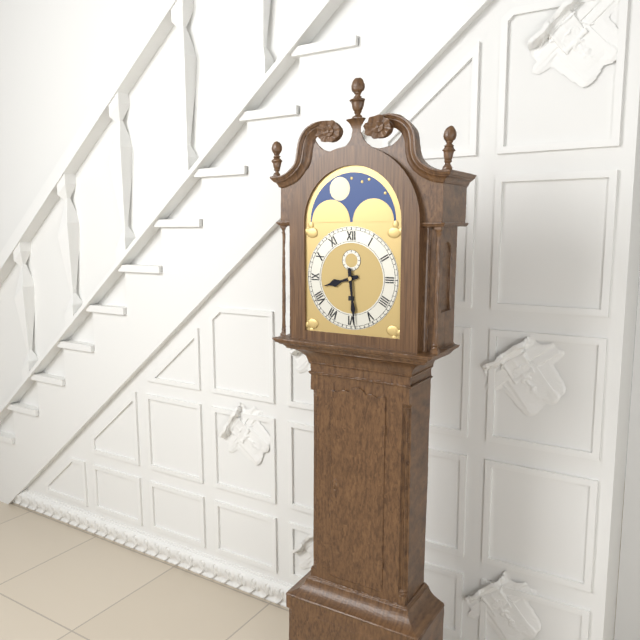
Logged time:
8h29
